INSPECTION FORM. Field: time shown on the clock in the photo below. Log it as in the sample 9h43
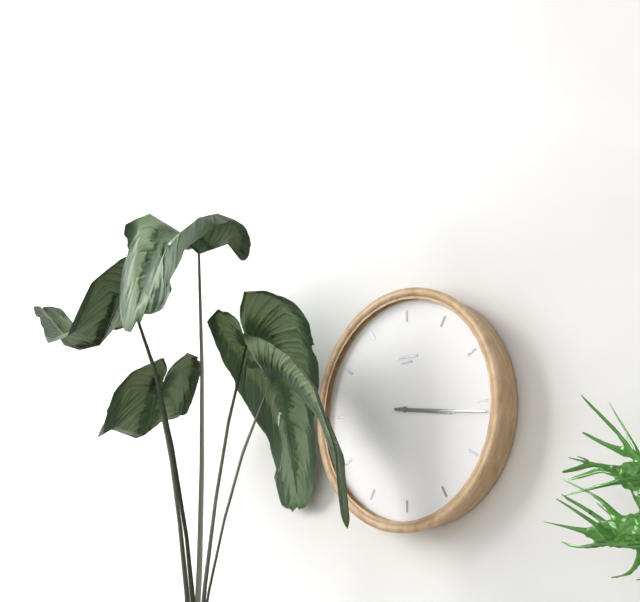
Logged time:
3h16
